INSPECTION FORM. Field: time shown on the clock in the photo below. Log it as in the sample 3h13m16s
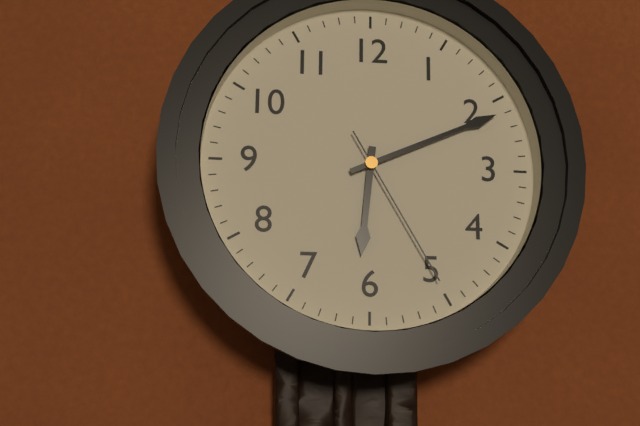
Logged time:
6h11m25s
